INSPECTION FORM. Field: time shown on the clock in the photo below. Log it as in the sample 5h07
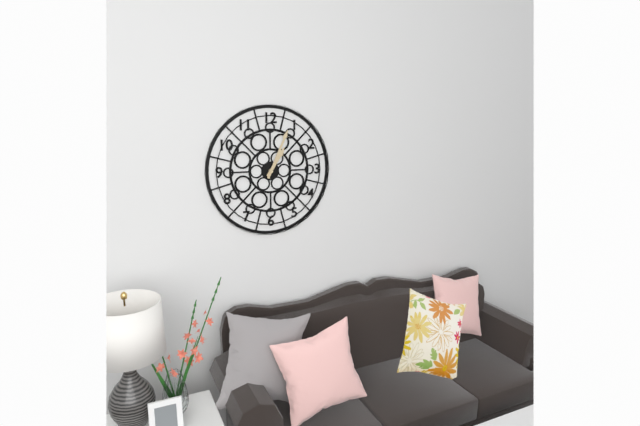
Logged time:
1h04
